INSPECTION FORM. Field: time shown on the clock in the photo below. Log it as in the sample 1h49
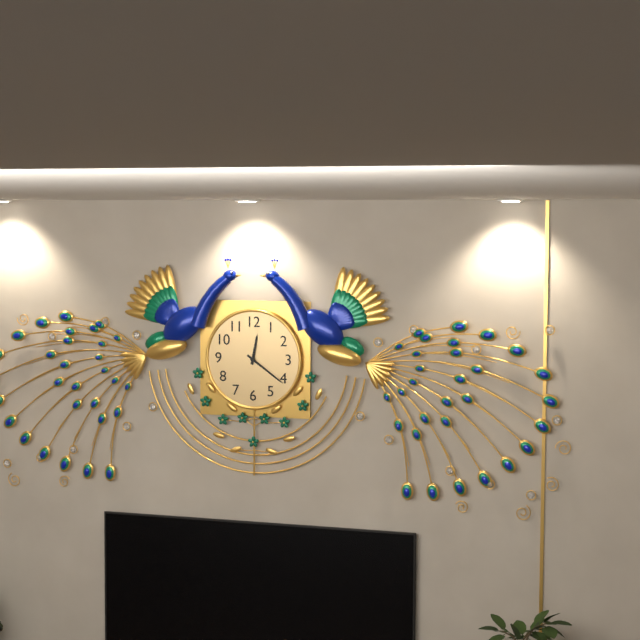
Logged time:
12h21
